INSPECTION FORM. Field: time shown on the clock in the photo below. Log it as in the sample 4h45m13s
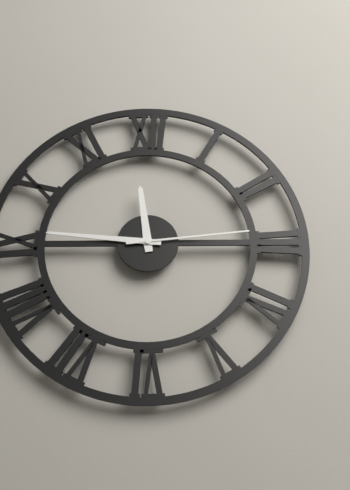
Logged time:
11h46m14s
